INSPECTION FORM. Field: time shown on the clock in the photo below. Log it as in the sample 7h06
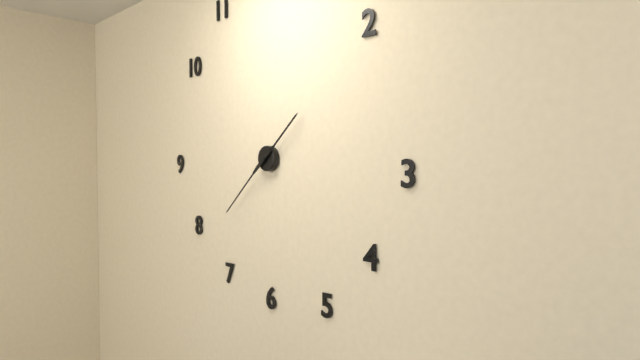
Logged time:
1h38
